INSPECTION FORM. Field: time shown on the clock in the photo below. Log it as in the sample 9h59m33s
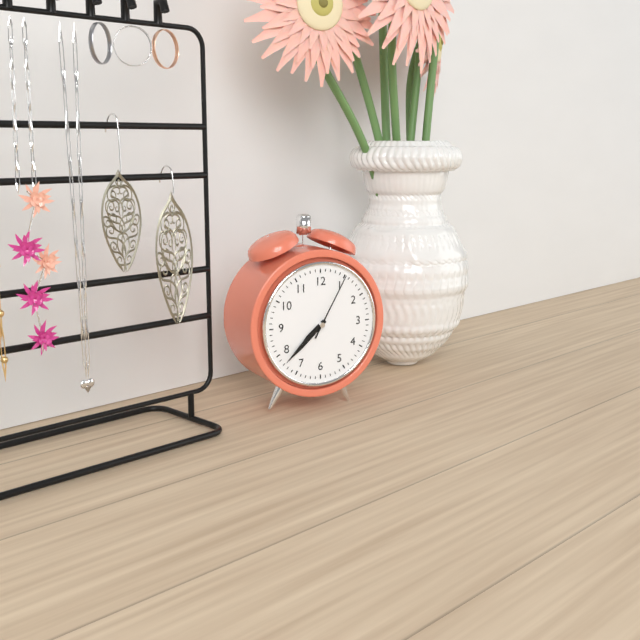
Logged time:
7h38m05s
